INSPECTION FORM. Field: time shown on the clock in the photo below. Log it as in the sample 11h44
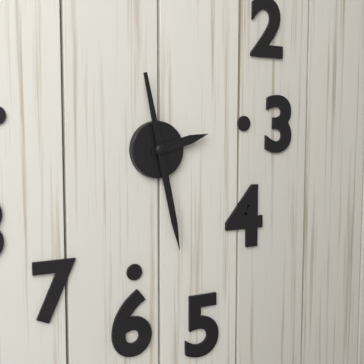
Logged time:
2h28
